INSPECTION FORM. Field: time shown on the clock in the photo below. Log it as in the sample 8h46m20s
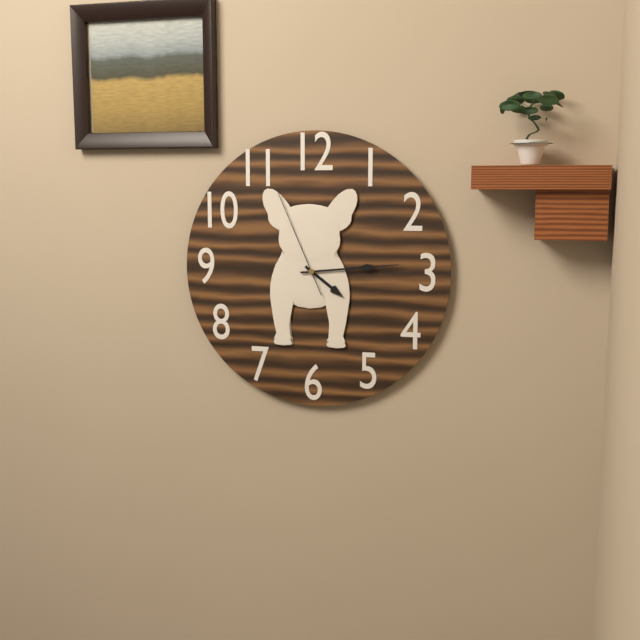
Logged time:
4h14m56s
